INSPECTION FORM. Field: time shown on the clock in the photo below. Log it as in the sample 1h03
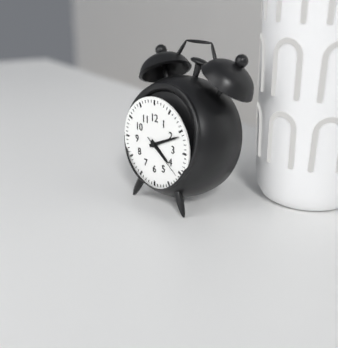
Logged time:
4h11
